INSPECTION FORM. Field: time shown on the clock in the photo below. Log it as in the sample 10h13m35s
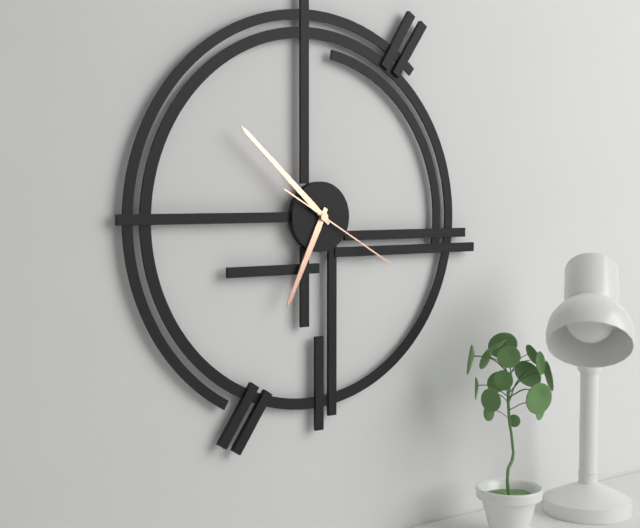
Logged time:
6h52m20s
